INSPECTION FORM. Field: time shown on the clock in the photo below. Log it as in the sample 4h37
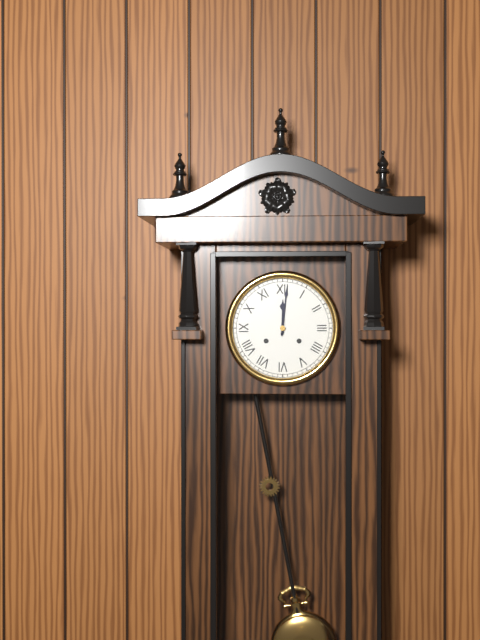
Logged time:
12h01
